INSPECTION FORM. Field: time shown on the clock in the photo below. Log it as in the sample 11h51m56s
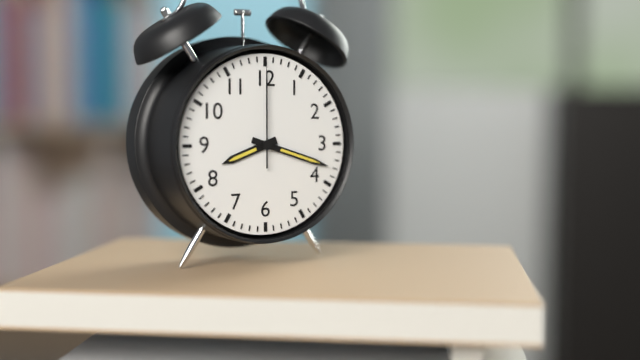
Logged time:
8h18m00s
